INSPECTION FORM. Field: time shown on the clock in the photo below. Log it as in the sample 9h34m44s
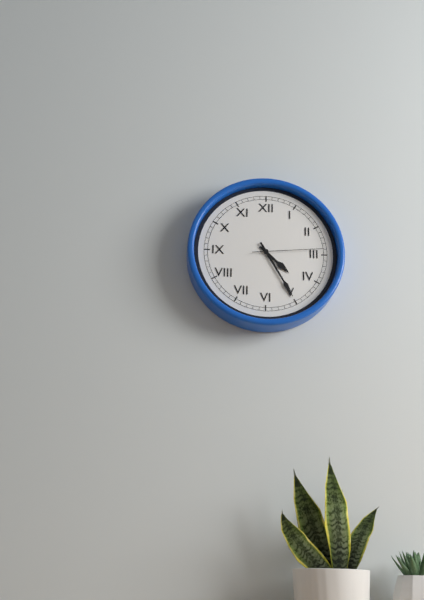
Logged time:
4h25m14s
